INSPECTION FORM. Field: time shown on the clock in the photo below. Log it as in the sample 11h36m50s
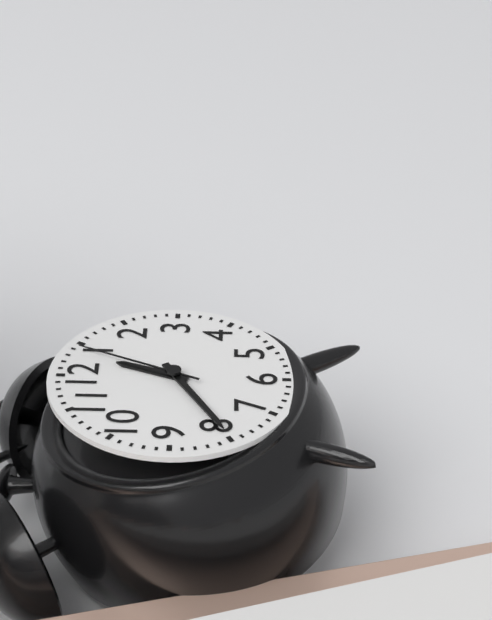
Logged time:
12h40m04s
